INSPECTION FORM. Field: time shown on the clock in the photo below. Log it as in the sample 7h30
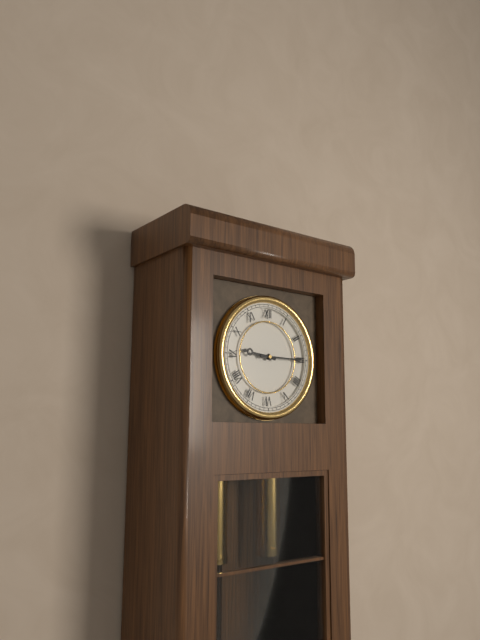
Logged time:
9h15
